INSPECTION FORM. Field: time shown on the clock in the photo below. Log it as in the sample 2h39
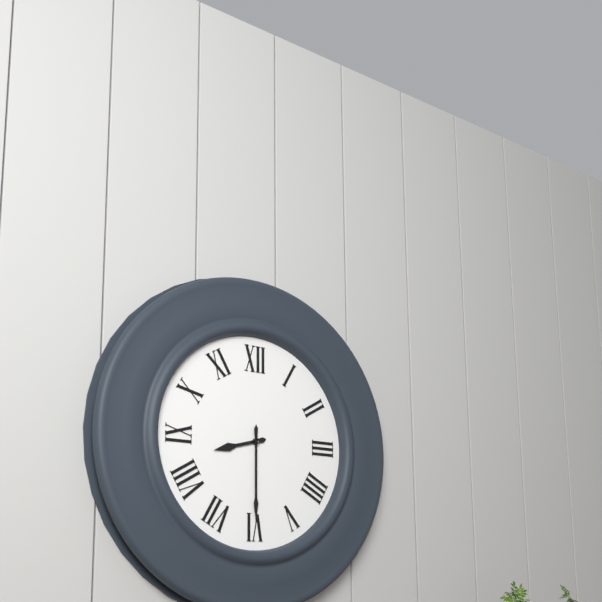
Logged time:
8h30
